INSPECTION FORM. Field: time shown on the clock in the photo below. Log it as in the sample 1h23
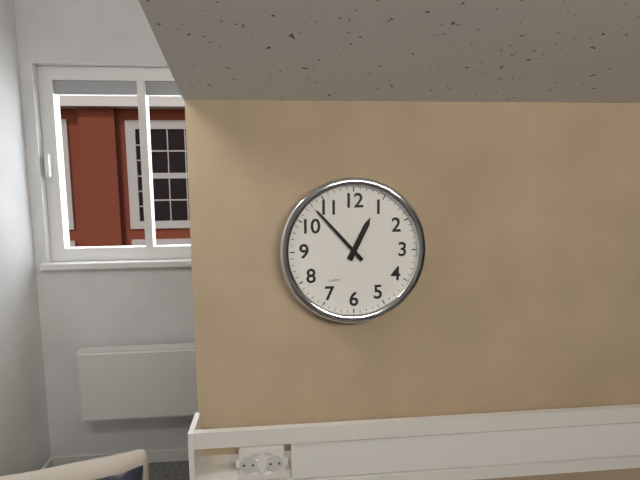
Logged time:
12h53
